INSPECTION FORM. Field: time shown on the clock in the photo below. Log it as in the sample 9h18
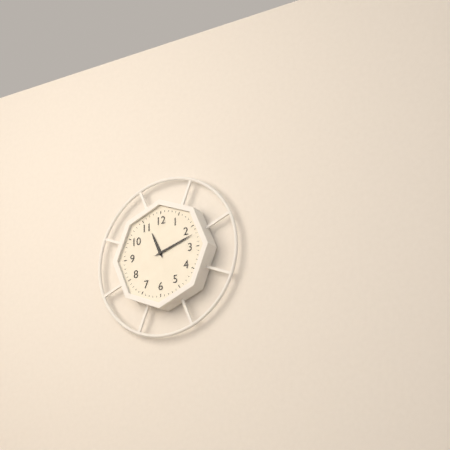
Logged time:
11h12
